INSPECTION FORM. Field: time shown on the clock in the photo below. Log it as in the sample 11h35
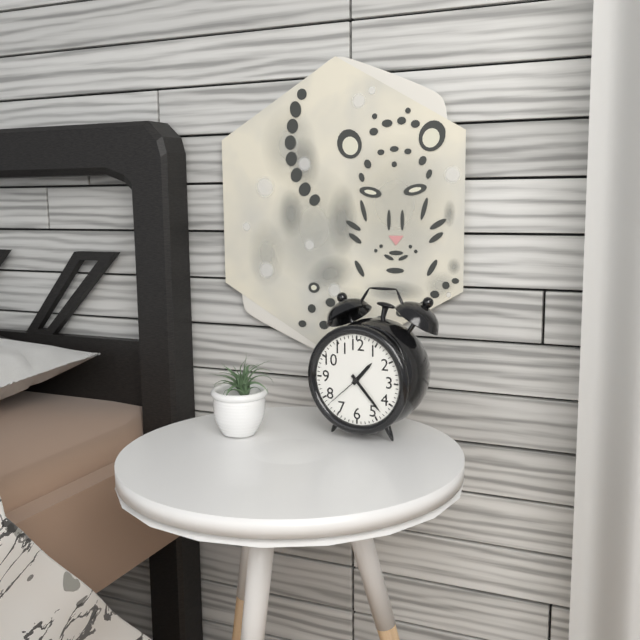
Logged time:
1h23
